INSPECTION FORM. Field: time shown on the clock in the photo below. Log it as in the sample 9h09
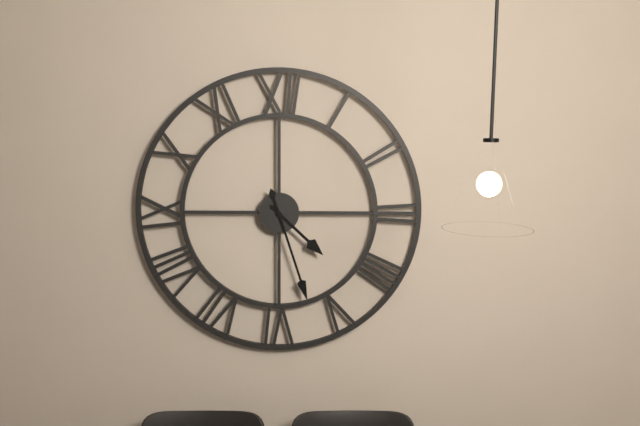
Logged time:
4h27
